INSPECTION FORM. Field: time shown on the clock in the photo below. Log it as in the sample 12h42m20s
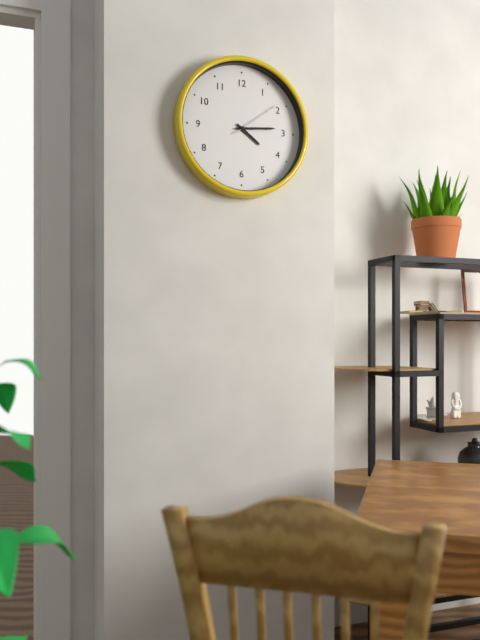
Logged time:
4h14m09s
